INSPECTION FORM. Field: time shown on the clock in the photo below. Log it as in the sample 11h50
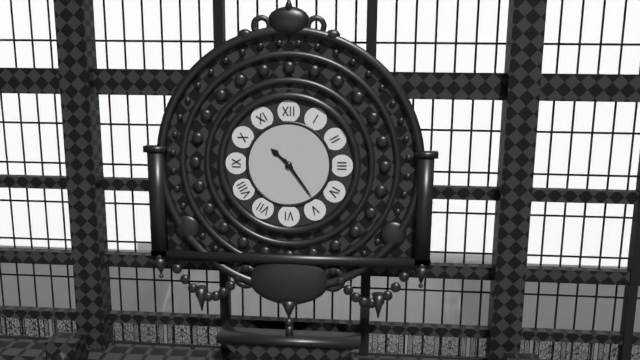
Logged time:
10h24
